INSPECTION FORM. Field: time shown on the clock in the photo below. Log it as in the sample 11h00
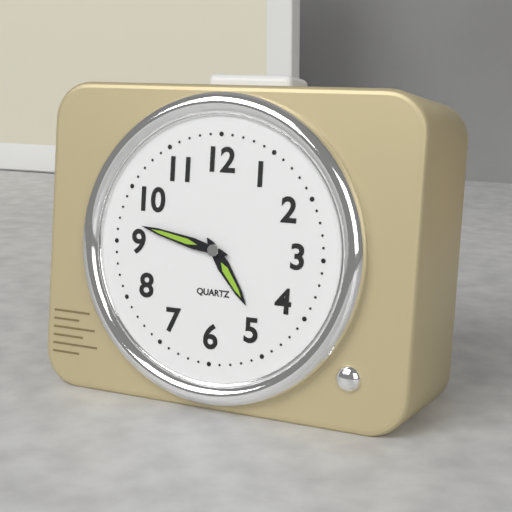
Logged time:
4h47
